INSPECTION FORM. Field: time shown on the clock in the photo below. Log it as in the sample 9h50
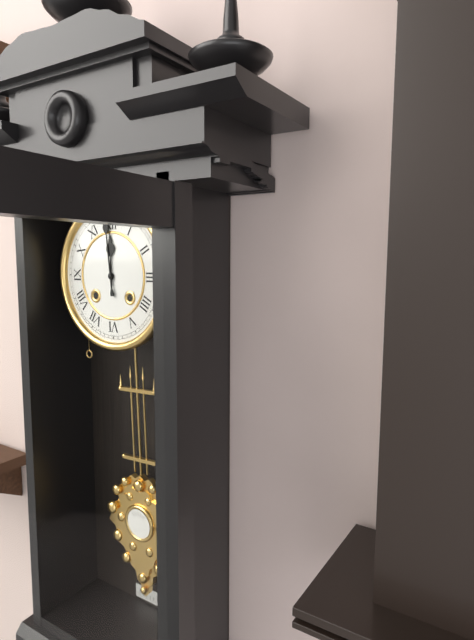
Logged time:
11h59
